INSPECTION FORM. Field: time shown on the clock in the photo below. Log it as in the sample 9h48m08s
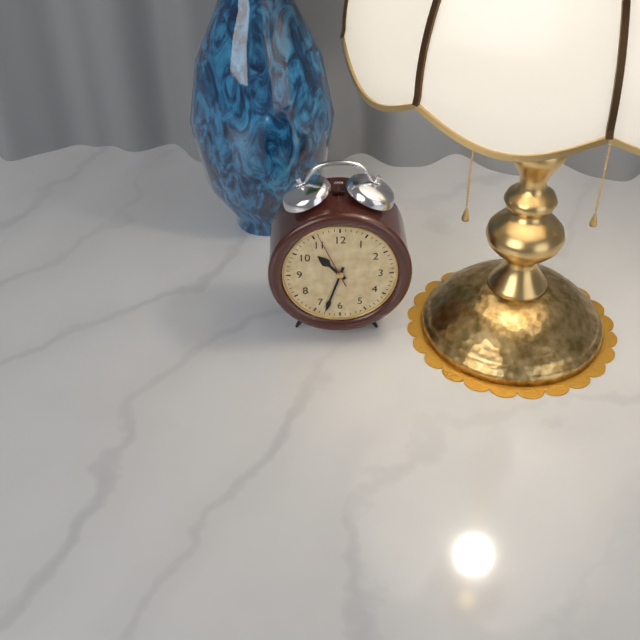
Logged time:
10h33m56s
